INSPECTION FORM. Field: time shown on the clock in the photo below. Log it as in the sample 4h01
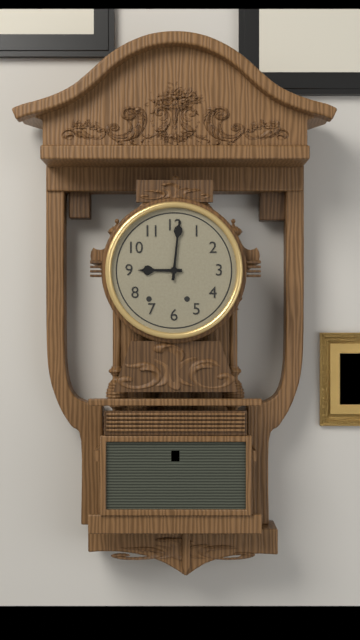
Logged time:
9h01
